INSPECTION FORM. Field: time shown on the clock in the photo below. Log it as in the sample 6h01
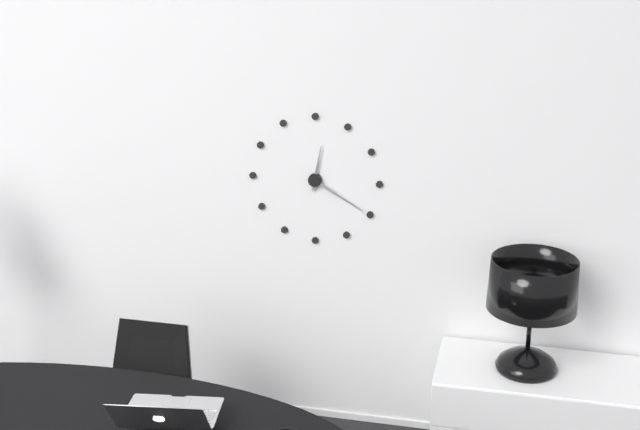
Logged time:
12h20
